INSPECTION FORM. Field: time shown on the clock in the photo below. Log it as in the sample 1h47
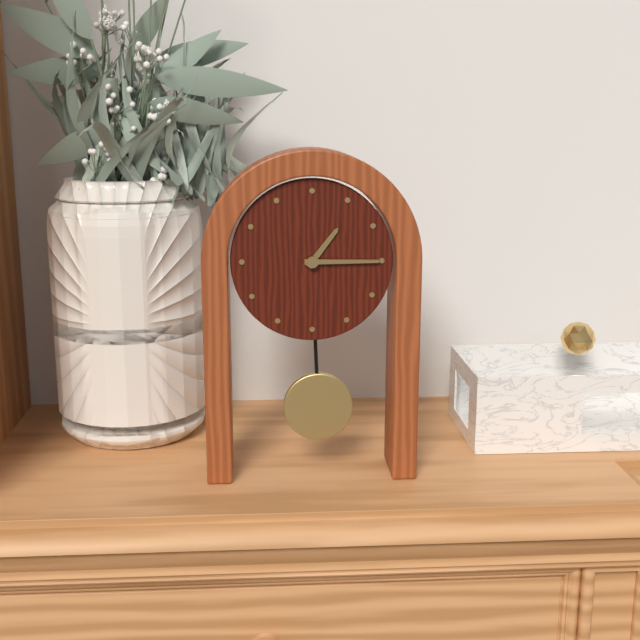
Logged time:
1h15
